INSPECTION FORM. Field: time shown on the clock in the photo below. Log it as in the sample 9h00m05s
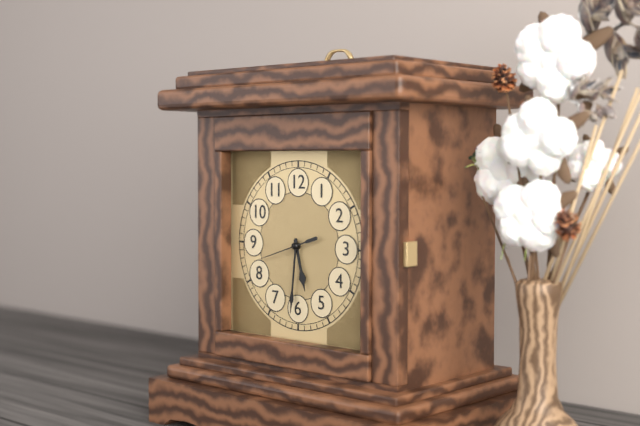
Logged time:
5h31m42s
